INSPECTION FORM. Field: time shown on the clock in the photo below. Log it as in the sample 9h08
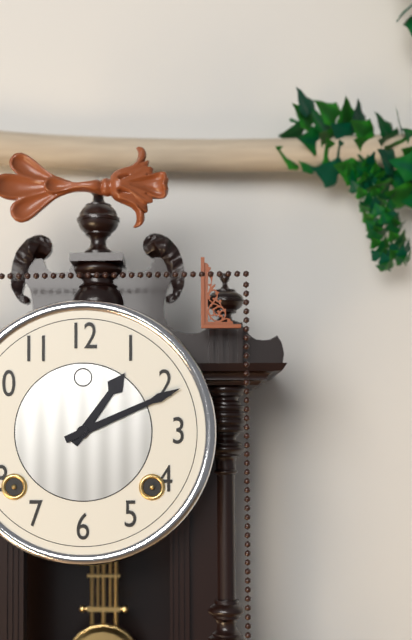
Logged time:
1h11
